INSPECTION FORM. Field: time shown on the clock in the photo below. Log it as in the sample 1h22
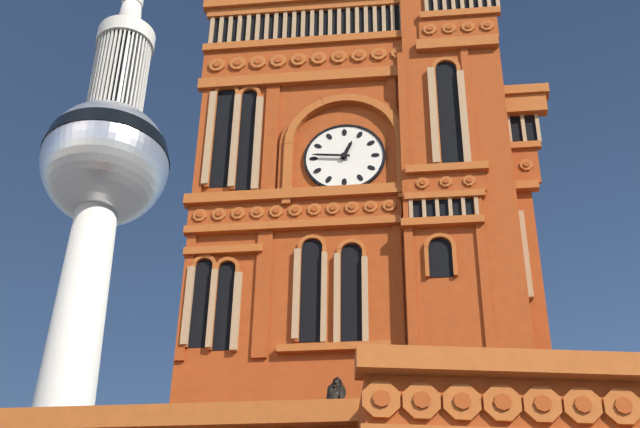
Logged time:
12h46
